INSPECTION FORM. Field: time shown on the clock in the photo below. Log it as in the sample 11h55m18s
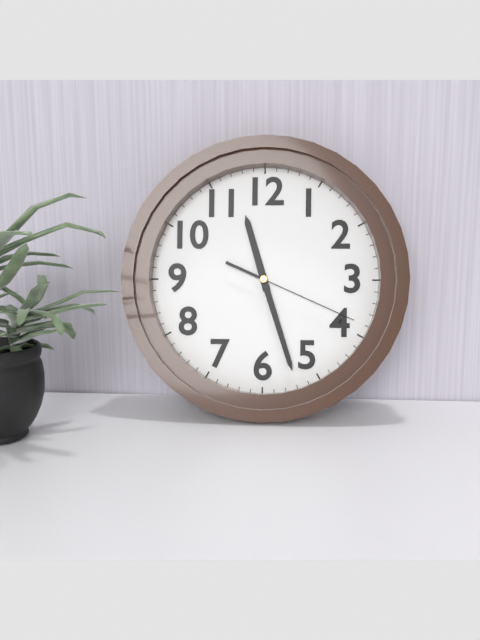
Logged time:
11h27m19s
